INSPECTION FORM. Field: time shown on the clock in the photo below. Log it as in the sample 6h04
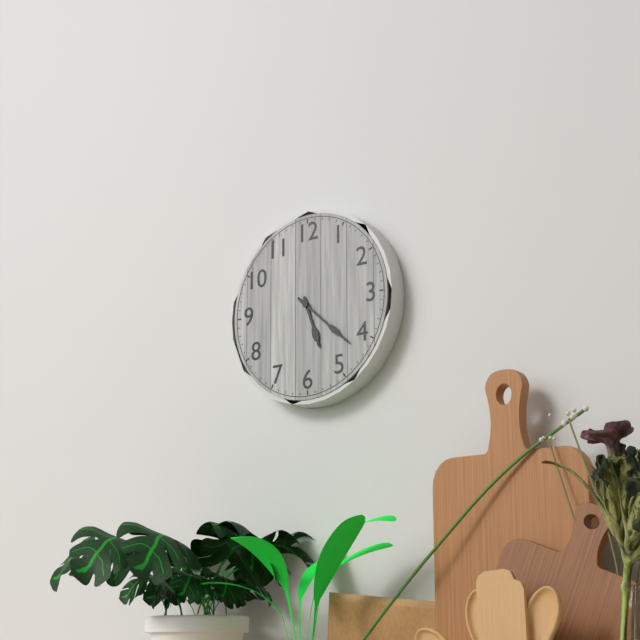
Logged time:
5h22
